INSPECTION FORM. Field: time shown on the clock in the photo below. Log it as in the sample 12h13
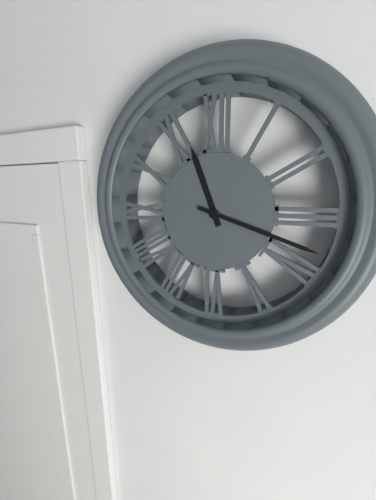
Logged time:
11h18
